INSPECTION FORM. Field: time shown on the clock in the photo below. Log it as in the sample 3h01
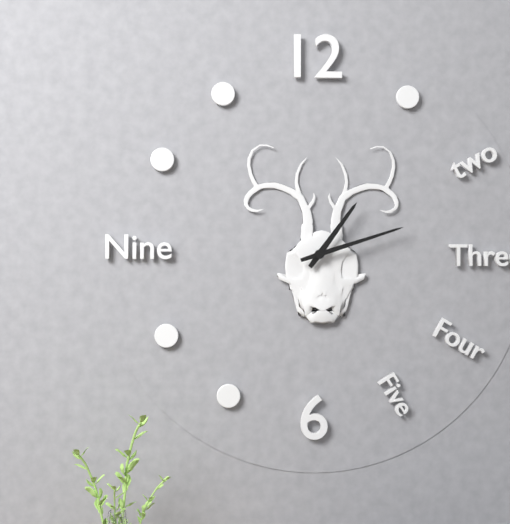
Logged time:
1h12
